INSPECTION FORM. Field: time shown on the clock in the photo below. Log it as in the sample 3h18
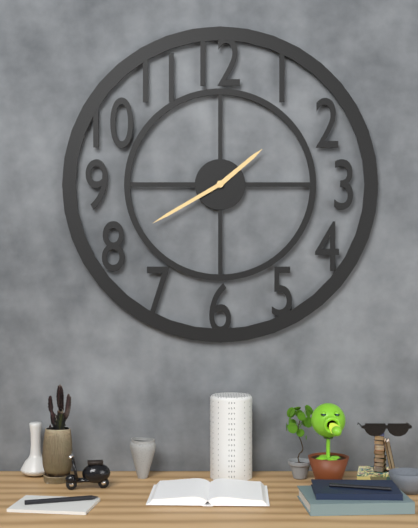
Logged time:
1h40
